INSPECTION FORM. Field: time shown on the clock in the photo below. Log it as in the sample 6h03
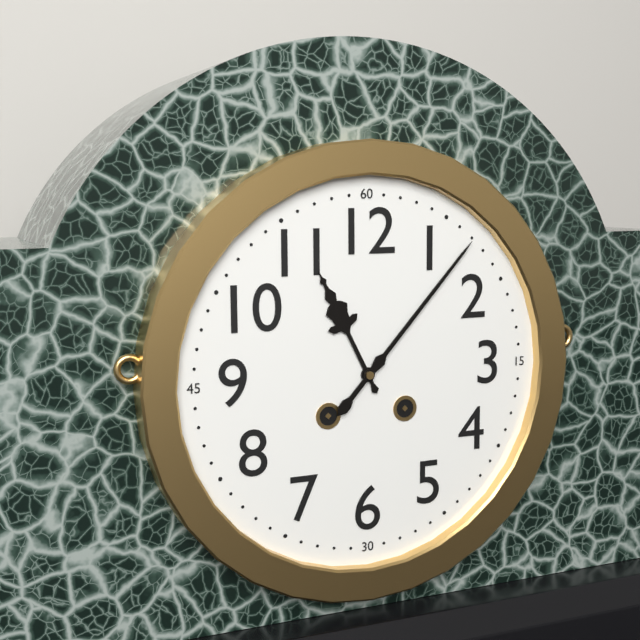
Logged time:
11h07
